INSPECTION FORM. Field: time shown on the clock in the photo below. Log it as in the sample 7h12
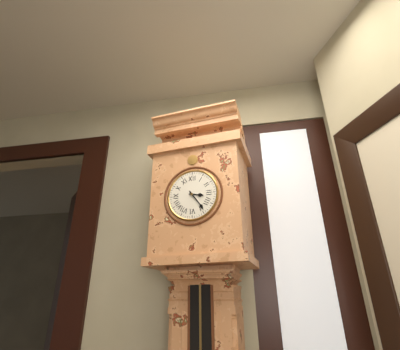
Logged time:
3h24
